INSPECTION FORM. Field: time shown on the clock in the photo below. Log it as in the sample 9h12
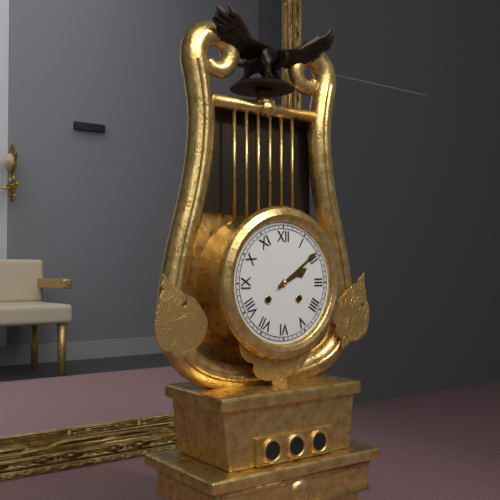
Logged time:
2h09
